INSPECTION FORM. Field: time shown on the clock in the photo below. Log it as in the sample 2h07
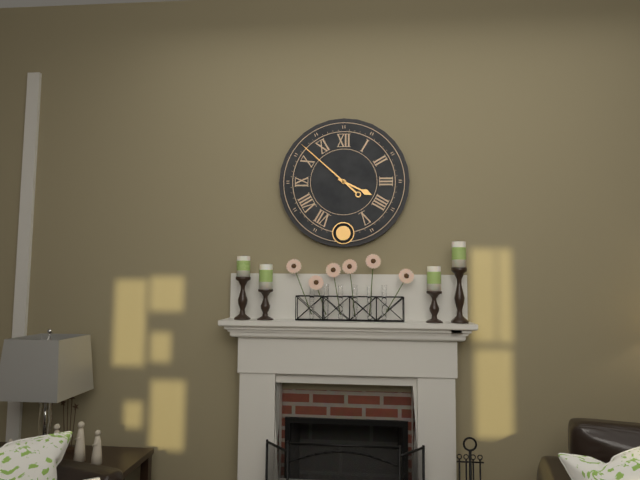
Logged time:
3h52
